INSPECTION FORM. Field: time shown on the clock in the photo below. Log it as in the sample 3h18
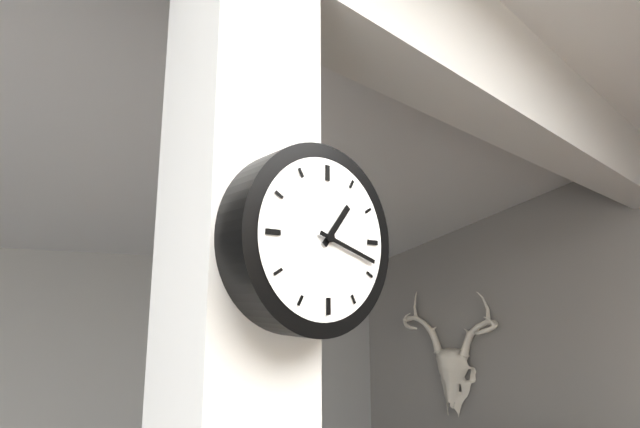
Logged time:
1h18
